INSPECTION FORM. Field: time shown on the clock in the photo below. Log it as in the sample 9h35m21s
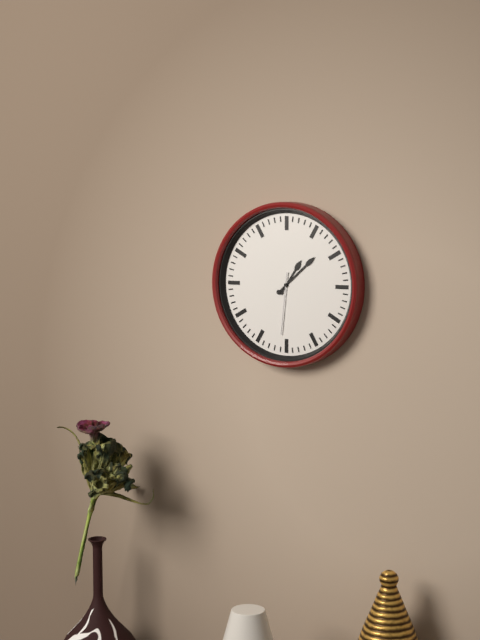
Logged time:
1h08m31s
